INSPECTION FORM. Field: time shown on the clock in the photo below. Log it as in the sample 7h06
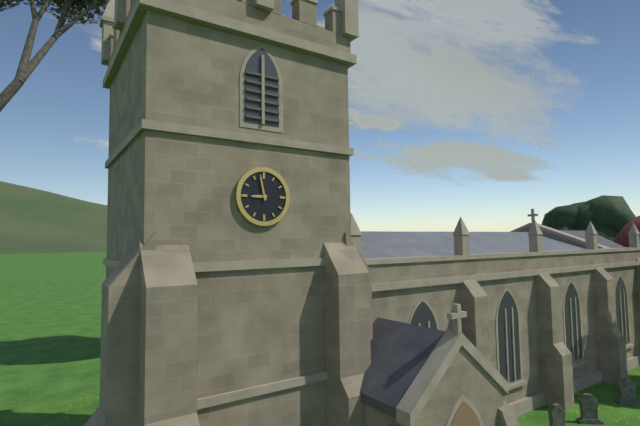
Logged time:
8h58
